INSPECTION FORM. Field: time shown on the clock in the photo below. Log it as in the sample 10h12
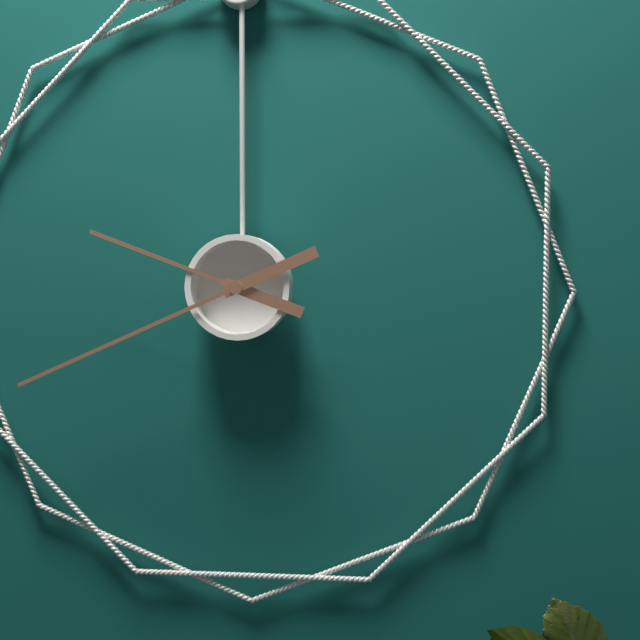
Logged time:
9h41
